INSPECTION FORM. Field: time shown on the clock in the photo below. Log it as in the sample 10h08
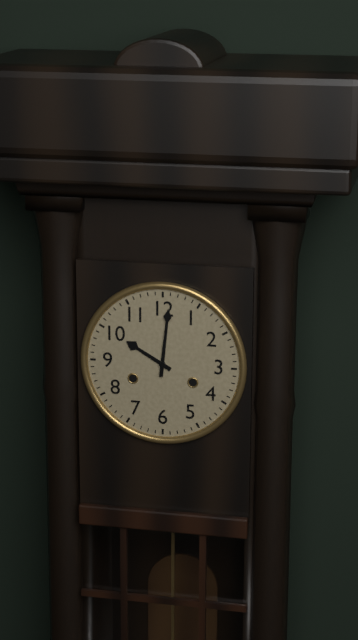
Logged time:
10h01
